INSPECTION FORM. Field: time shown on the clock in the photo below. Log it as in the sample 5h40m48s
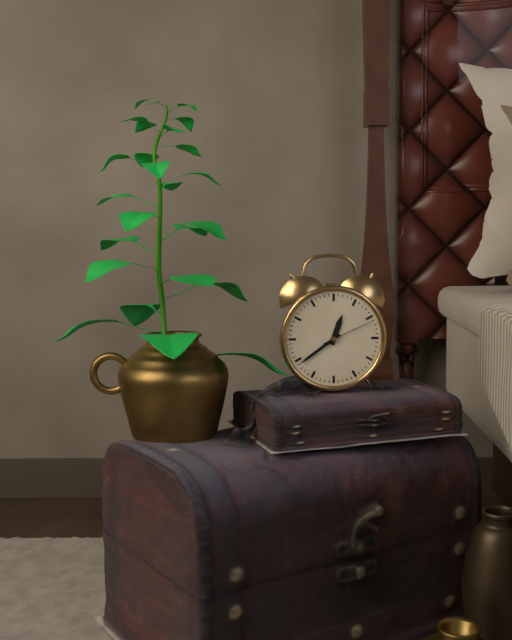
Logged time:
12h39m11s
